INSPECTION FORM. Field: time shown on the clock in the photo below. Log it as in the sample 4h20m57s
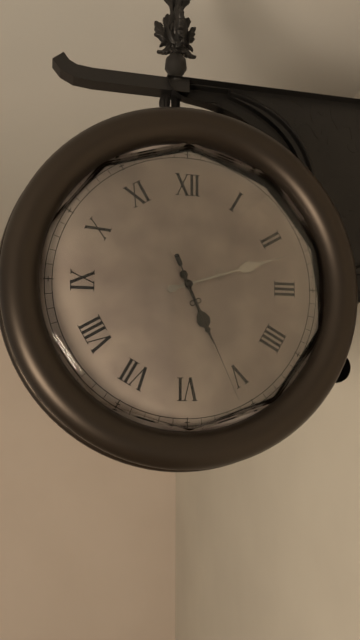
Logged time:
5h12m26s
